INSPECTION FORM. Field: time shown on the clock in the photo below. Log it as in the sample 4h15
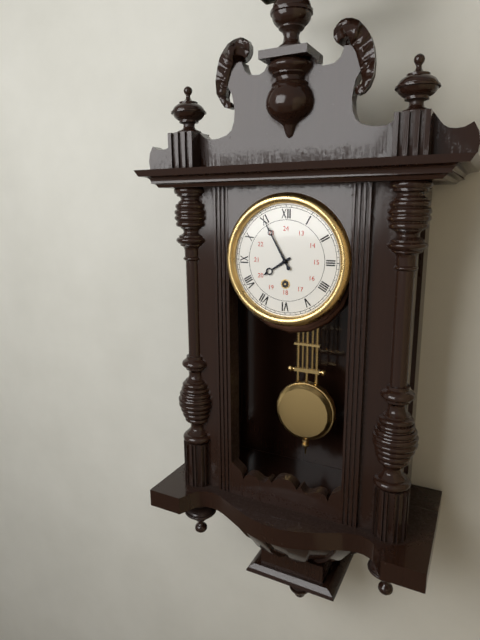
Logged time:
7h55
